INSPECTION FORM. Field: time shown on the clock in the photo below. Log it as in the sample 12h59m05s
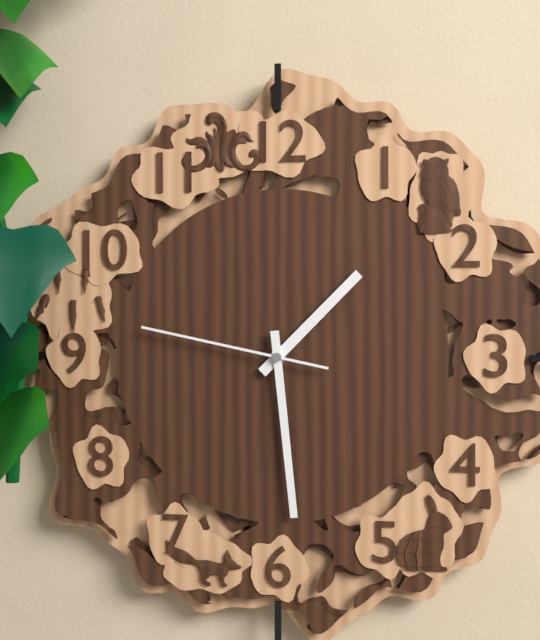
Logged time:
1h29m47s
